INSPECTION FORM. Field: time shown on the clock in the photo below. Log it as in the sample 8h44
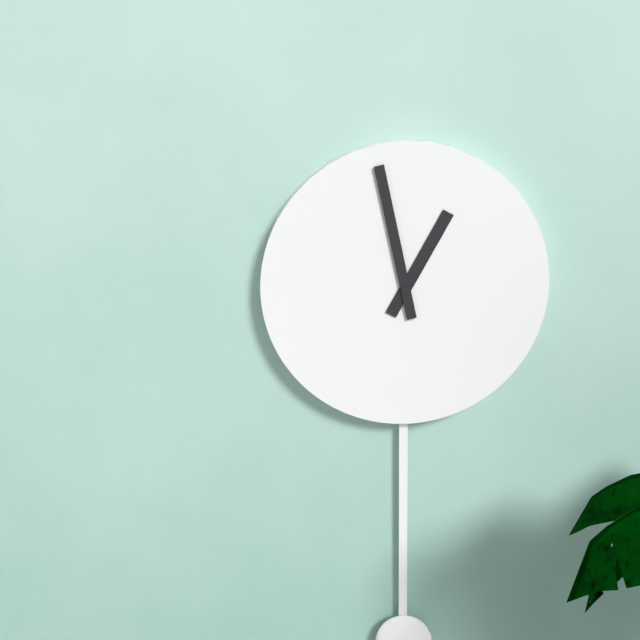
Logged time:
12h58
